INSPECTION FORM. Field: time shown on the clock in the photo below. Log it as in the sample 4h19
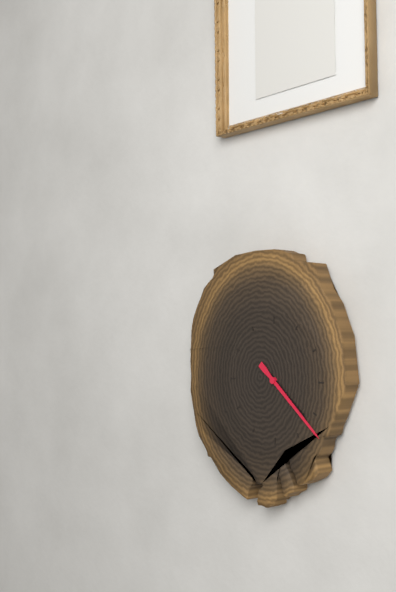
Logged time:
4h22
